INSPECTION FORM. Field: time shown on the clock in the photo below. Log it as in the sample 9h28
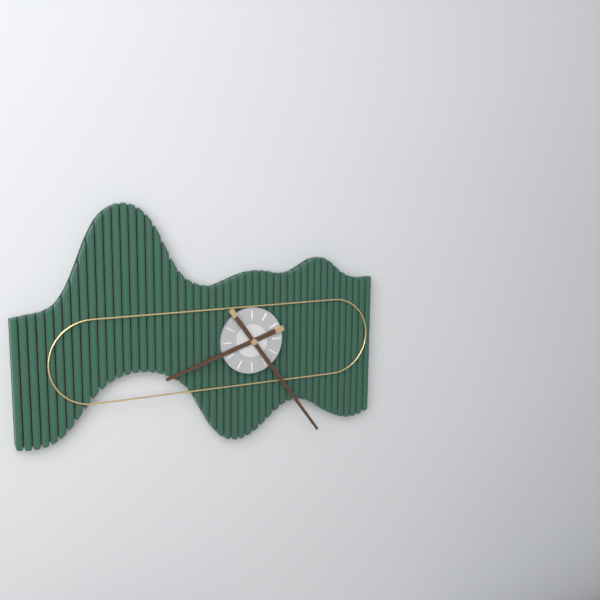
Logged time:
8h24
